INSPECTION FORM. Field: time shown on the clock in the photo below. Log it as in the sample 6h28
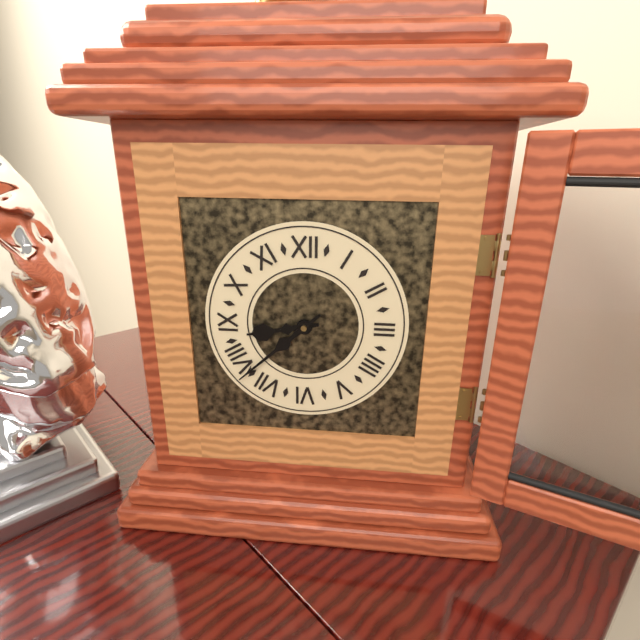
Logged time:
8h38
